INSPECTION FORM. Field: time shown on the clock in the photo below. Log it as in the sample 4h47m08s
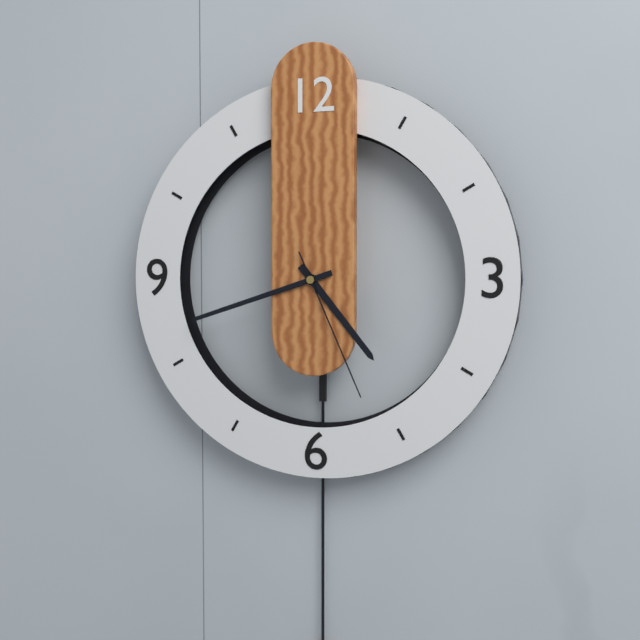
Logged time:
4h42m26s
